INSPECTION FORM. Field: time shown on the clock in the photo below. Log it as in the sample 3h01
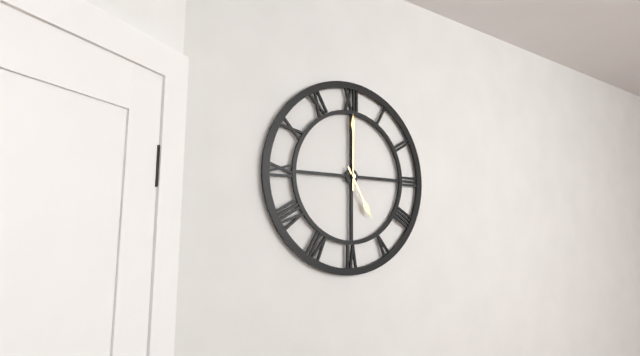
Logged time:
5h00
